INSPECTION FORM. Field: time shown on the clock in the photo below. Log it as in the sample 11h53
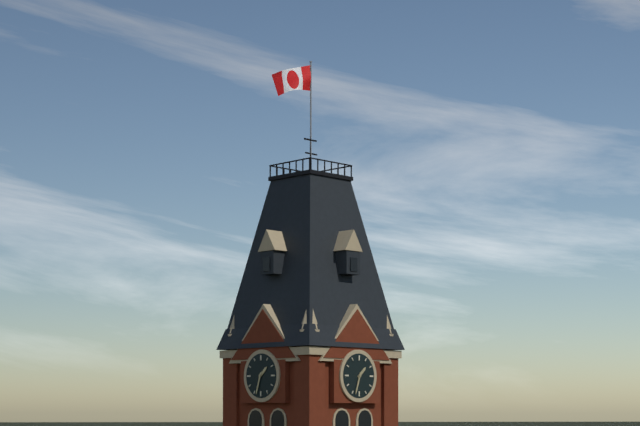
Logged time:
1h33
